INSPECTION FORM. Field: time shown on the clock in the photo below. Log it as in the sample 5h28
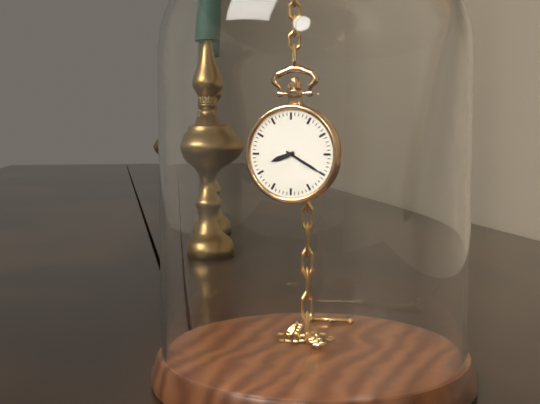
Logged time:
8h20
